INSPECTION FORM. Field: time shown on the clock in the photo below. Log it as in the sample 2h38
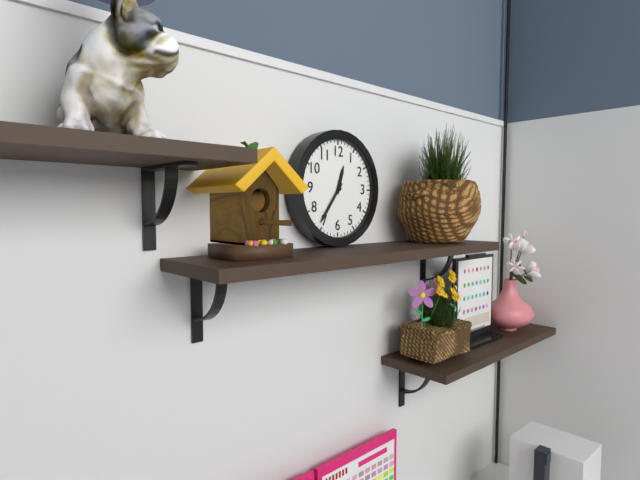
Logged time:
12h36
